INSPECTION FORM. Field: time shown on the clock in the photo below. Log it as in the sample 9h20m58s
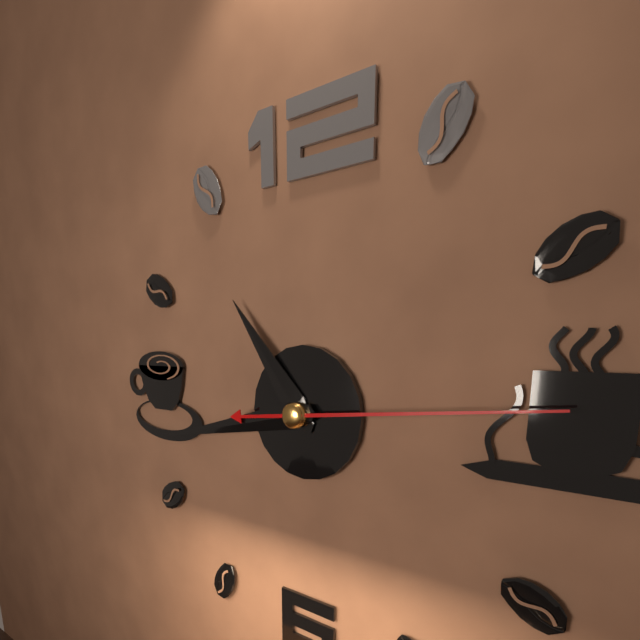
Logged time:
10h43m14s
